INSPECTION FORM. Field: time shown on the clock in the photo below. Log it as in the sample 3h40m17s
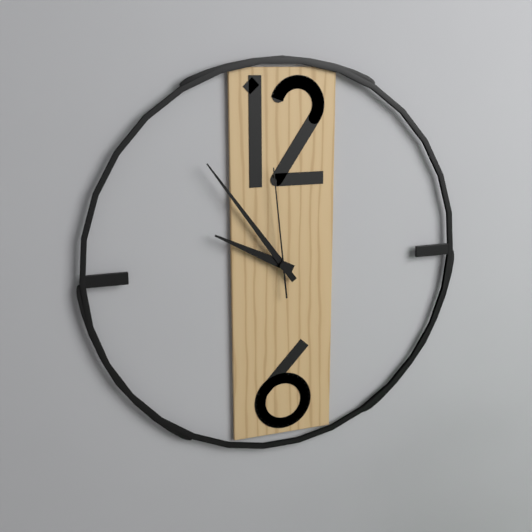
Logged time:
9h54m59s
